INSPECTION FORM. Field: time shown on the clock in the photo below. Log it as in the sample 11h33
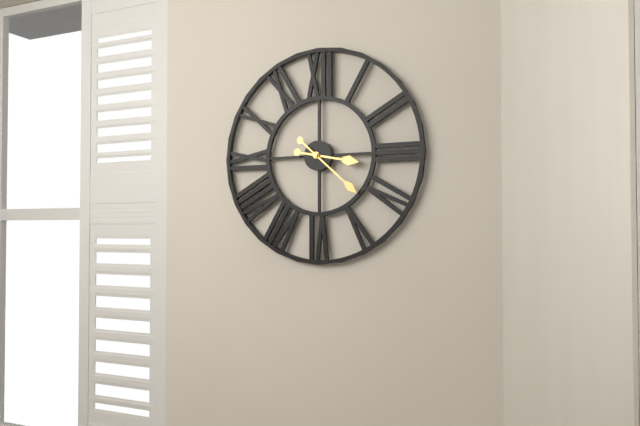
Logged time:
3h22
